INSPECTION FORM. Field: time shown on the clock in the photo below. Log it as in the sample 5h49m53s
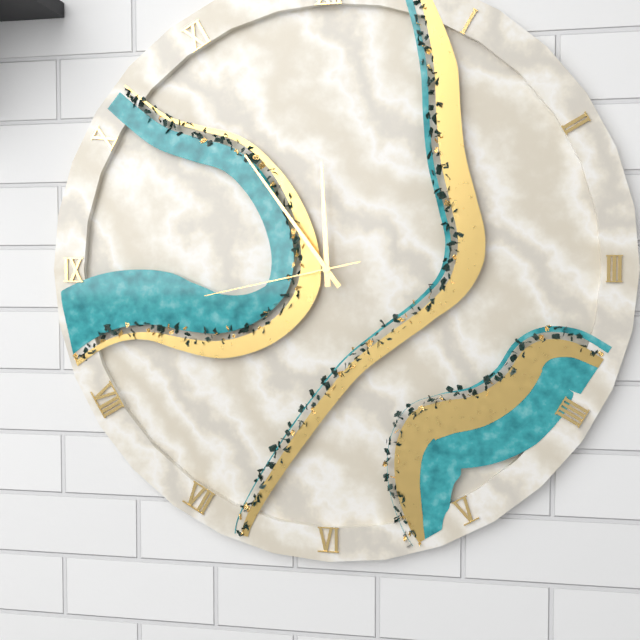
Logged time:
11h54m43s
